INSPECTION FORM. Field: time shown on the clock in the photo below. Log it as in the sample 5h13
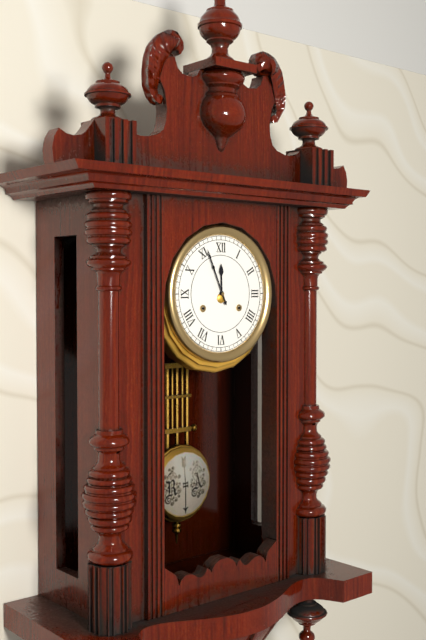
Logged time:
11h56
